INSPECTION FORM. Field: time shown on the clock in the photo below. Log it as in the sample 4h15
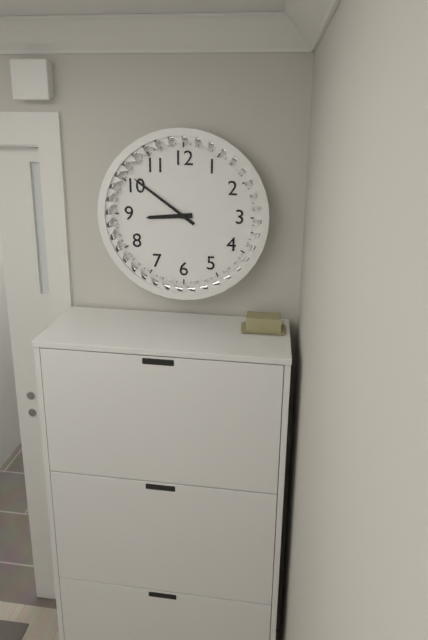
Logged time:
8h51
